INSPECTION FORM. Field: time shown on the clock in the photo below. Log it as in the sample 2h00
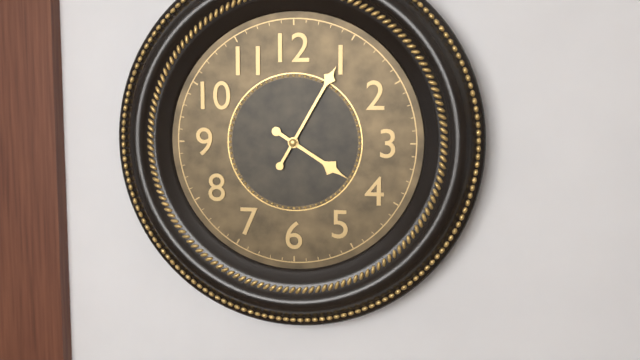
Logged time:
4h05
